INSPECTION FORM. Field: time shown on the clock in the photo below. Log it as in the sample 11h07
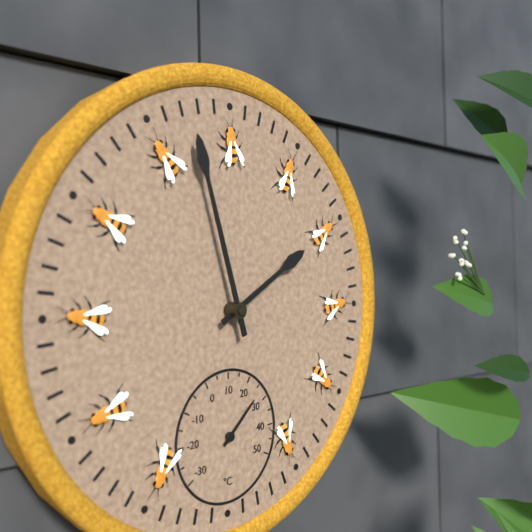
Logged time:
1h57
